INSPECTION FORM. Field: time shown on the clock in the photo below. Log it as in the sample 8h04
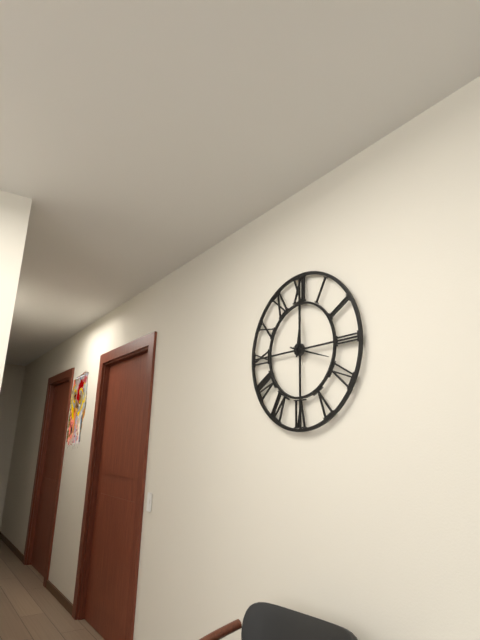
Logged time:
12h18
